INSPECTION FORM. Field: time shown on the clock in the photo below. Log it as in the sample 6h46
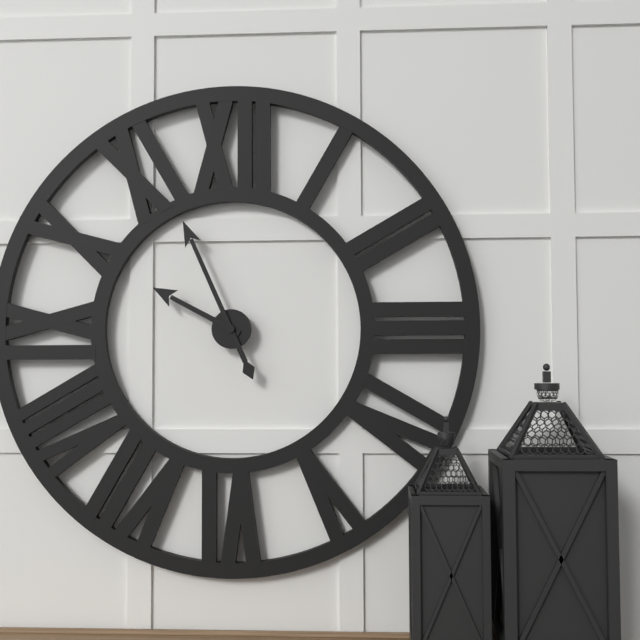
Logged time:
9h56
